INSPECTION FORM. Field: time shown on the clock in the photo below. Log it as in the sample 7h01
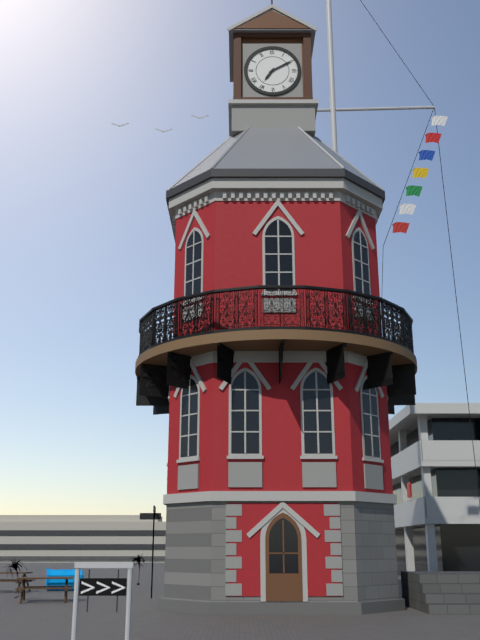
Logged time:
7h10
